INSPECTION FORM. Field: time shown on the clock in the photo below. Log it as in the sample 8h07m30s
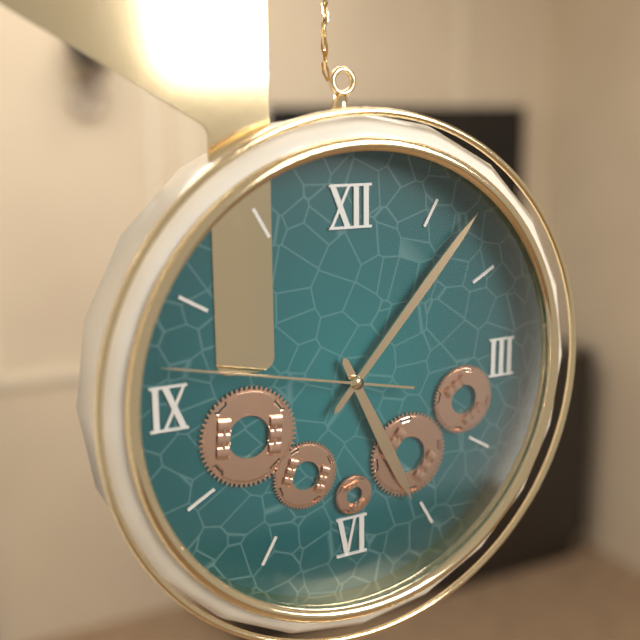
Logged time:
5h07m47s
